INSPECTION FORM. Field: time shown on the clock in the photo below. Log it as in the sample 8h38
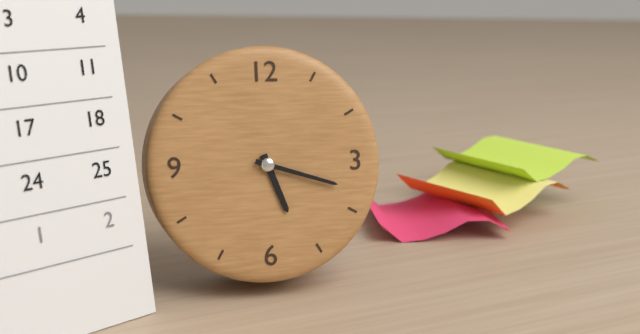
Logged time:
5h18
